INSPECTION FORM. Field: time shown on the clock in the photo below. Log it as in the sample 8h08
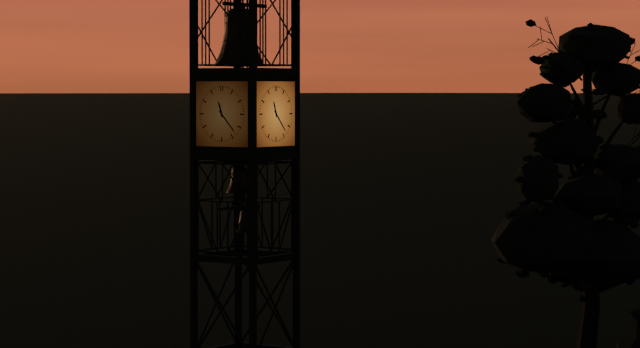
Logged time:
11h23
